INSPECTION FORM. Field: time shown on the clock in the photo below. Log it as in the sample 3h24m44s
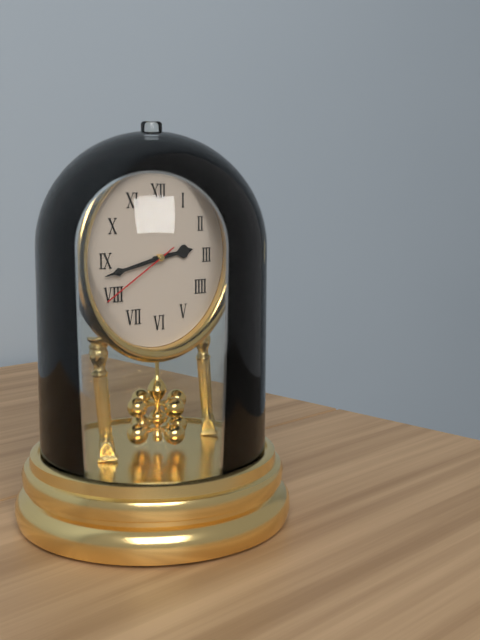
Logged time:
2h43m40s
